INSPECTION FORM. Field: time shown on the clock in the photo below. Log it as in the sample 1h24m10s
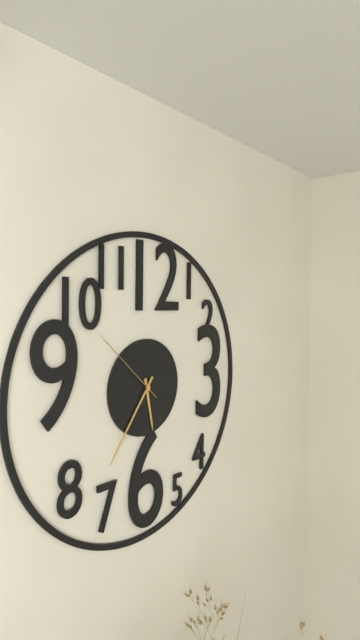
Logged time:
5h36m52s
